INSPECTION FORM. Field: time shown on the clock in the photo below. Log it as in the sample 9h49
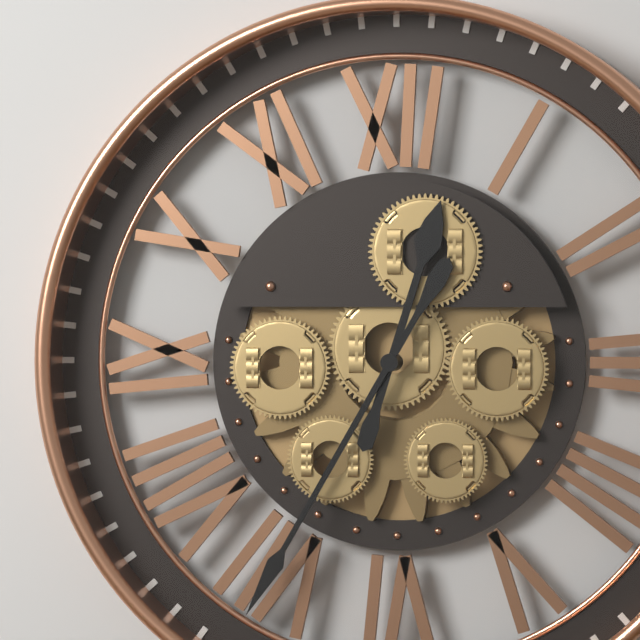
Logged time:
12h35
